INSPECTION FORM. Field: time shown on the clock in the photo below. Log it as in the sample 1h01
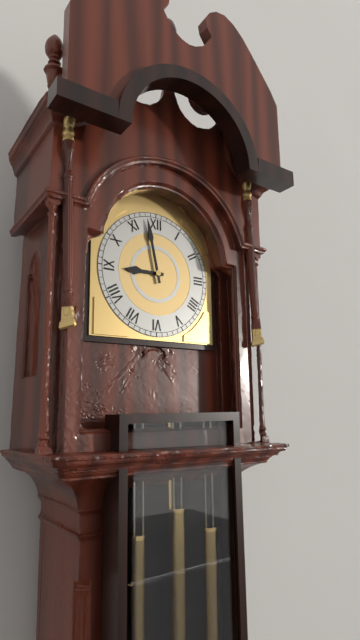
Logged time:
8h58
